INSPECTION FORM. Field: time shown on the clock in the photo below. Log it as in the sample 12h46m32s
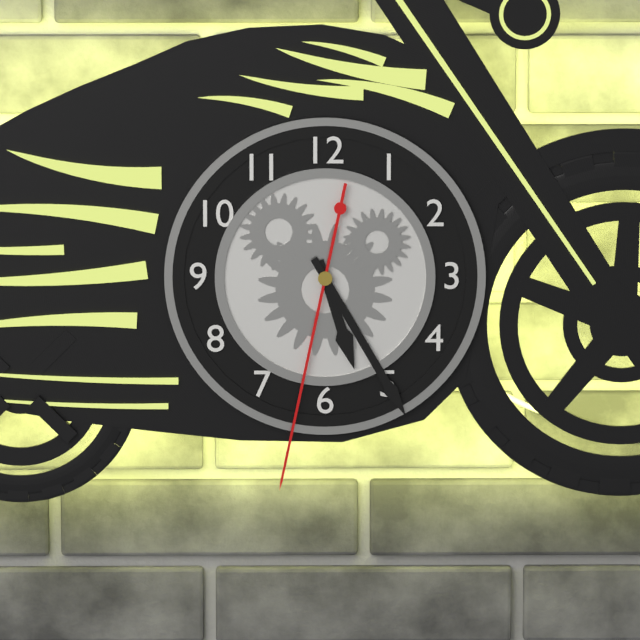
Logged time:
5h25m32s
